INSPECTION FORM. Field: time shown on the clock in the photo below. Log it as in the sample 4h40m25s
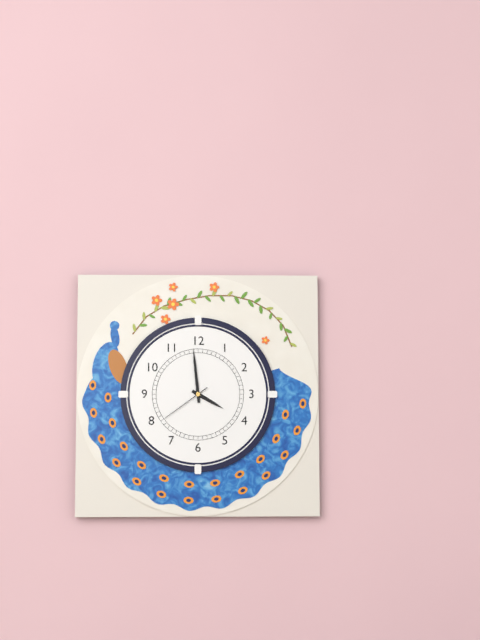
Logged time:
3h59m39s
